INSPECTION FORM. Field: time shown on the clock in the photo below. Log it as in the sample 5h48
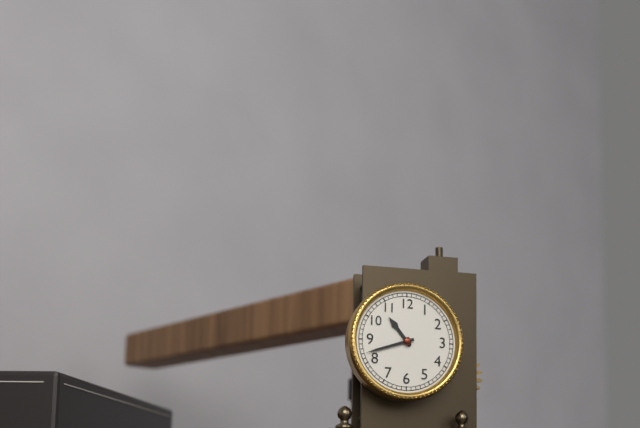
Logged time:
10h42
